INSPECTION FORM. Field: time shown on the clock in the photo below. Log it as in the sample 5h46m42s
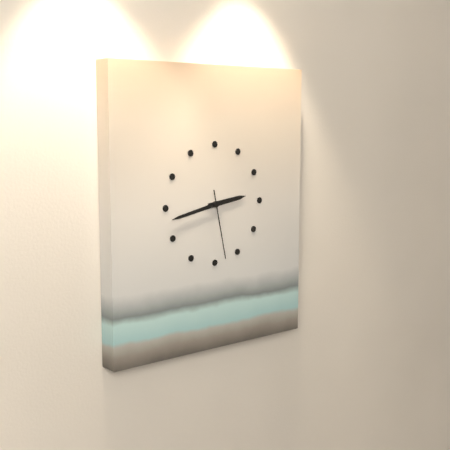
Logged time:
2h43m28s
